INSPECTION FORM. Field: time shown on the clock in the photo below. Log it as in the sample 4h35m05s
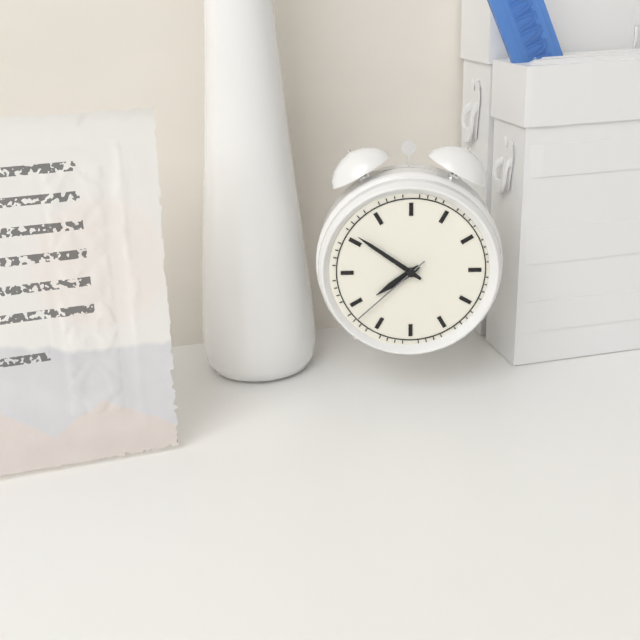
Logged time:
7h51m38s
